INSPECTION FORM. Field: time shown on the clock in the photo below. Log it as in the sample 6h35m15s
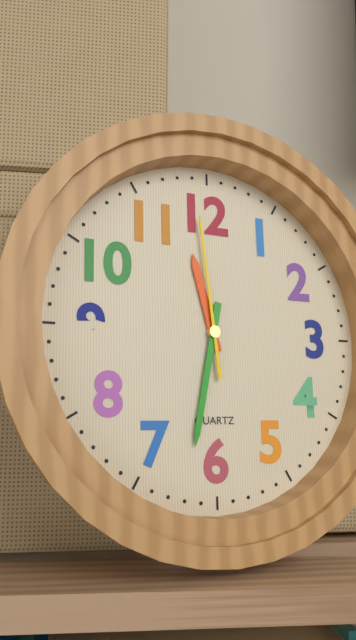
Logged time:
11h32m59s
